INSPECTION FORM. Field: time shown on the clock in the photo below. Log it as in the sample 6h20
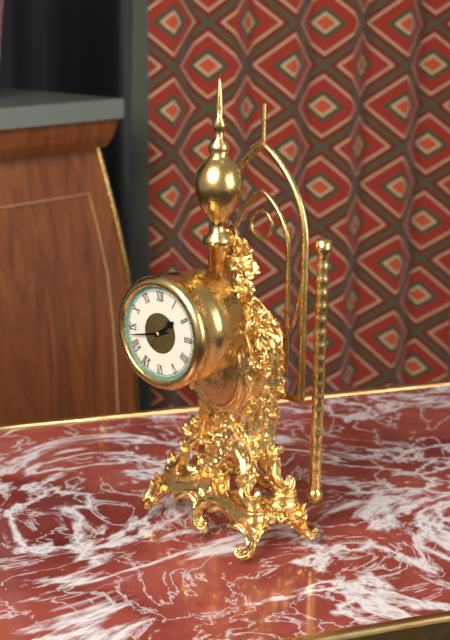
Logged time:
1h43
